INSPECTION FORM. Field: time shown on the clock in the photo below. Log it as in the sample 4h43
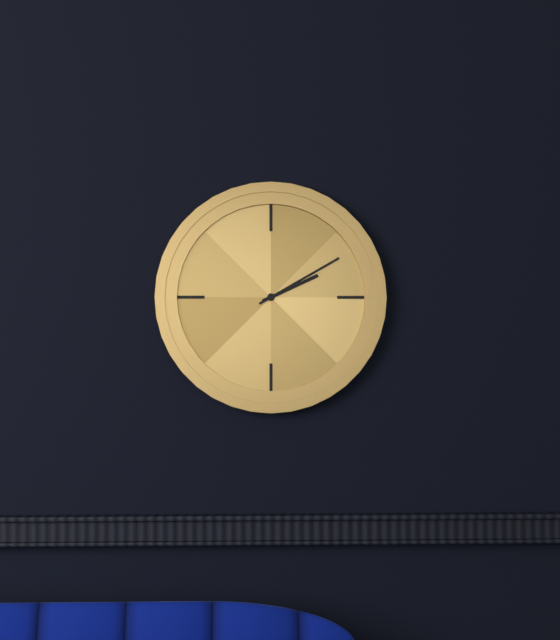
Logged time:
2h10
